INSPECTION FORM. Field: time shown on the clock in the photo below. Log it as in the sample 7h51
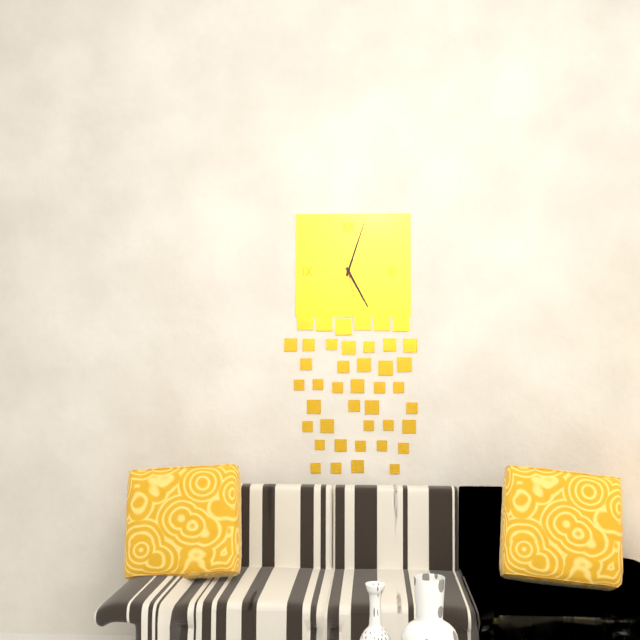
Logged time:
5h03
